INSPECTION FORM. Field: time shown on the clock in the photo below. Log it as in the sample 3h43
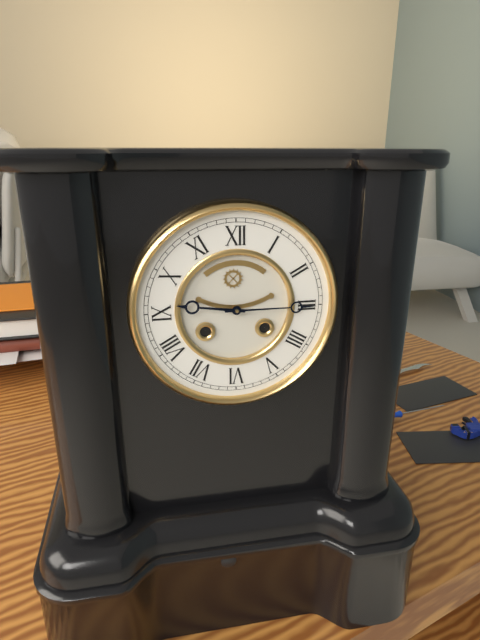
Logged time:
9h15
